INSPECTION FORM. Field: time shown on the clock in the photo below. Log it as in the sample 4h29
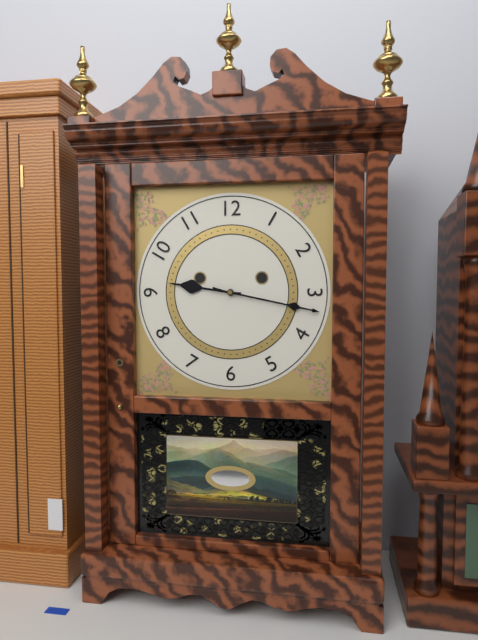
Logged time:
9h17
